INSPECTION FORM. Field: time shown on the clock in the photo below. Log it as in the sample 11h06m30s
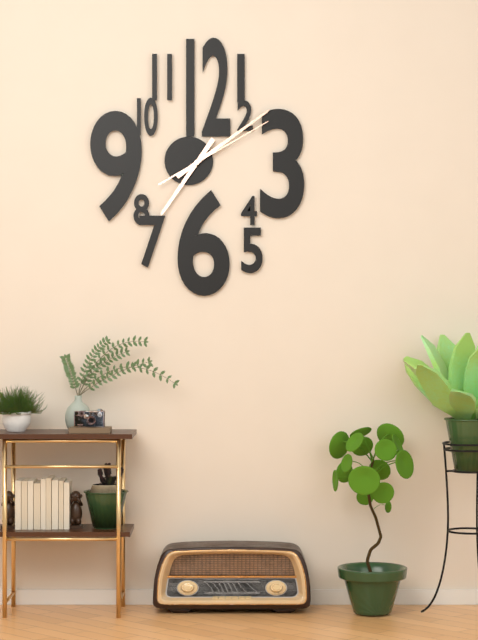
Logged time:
7h09m10s
